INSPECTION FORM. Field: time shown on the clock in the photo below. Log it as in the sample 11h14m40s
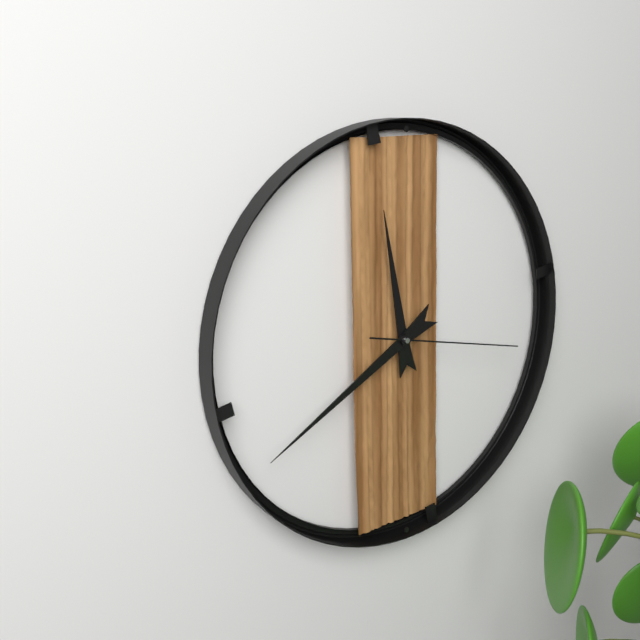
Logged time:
11h40m17s
